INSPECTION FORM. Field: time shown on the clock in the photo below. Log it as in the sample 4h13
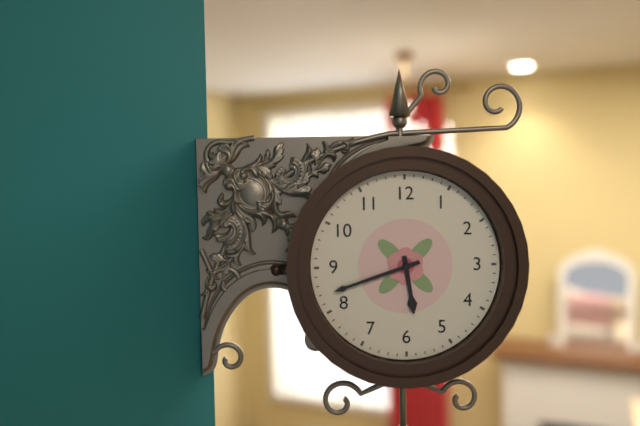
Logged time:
5h42
